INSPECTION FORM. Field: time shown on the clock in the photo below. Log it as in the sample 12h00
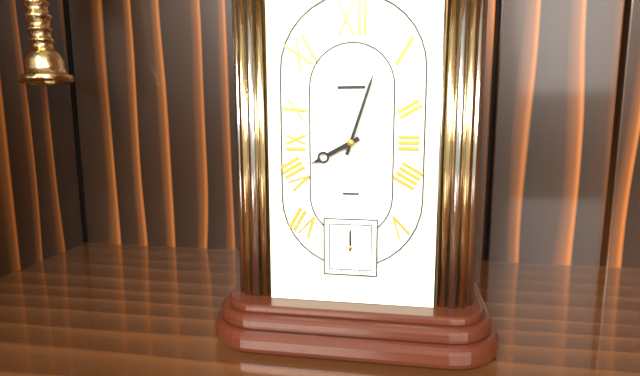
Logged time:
8h03
